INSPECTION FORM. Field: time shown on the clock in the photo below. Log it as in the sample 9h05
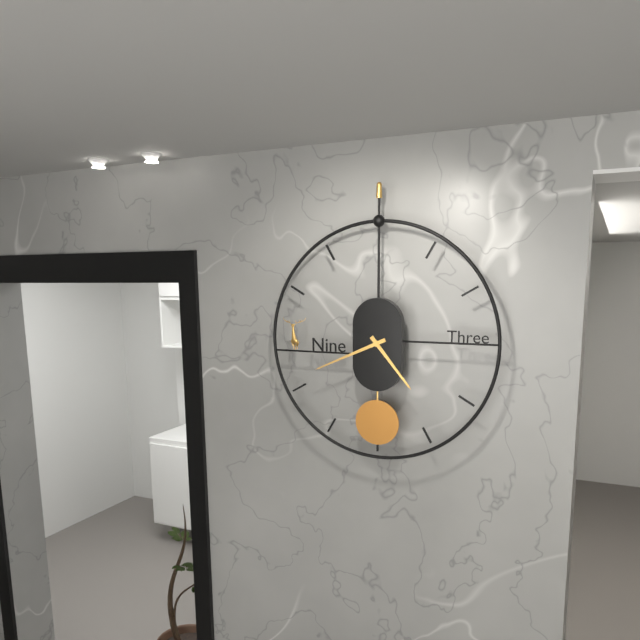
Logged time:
4h41
